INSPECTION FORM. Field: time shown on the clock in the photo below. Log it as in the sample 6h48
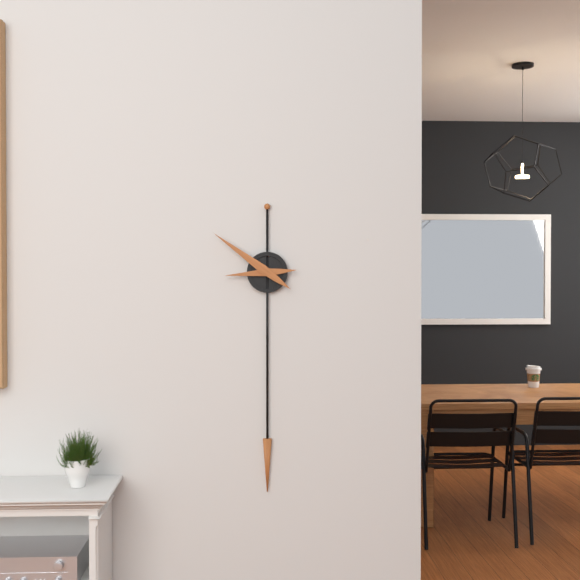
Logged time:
8h51
